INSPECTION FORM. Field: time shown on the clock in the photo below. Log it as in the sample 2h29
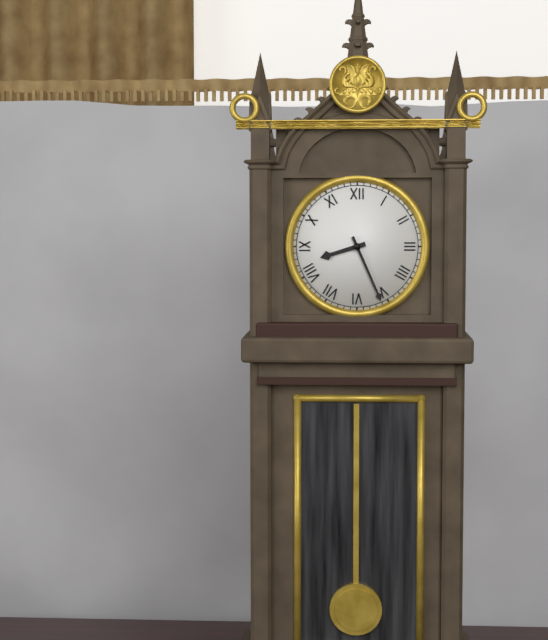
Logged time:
8h26
